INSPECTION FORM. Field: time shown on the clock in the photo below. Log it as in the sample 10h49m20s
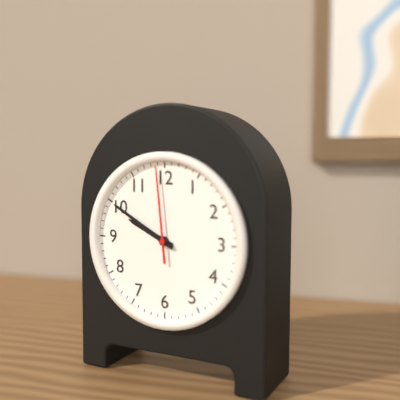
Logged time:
9h50m59s
